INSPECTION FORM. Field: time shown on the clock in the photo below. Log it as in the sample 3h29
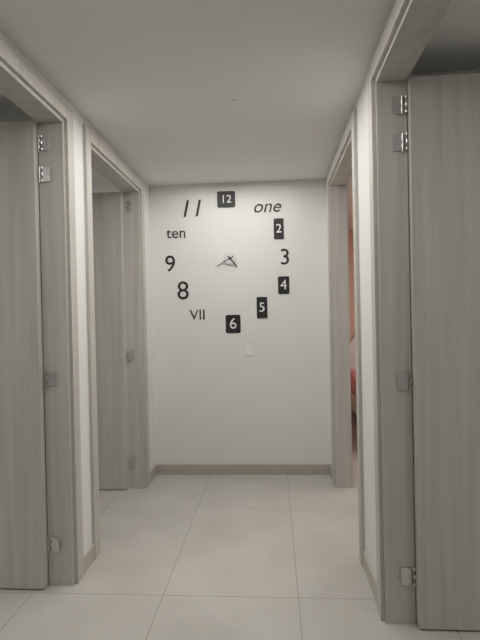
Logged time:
4h40
